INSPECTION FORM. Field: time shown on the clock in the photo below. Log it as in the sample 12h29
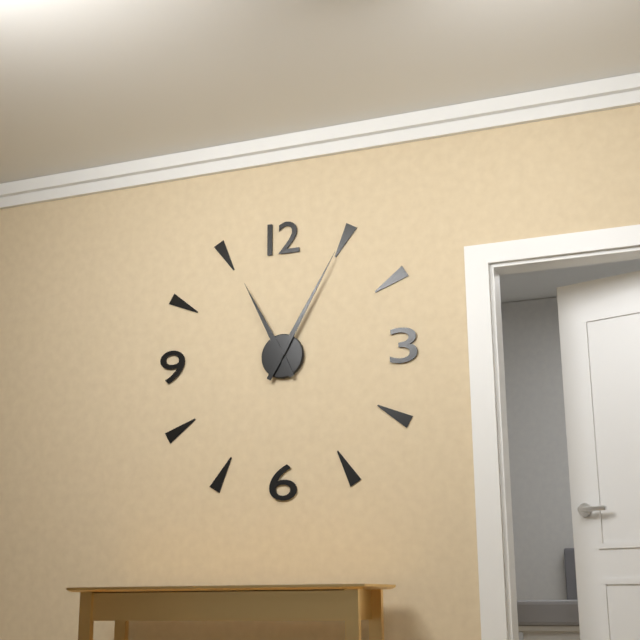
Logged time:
11h05
